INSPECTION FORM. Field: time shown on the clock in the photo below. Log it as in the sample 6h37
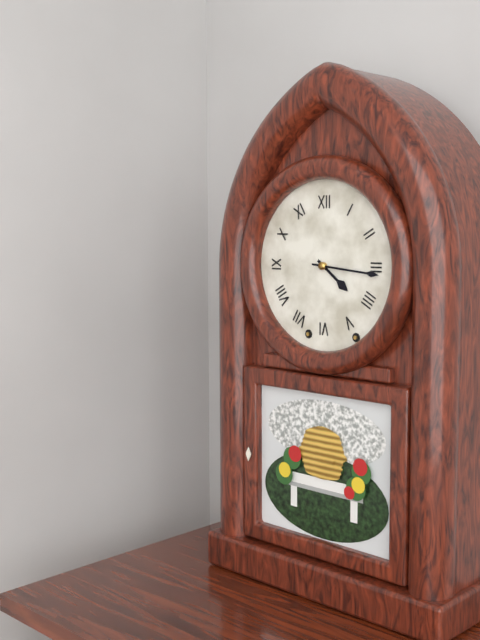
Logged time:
4h16
